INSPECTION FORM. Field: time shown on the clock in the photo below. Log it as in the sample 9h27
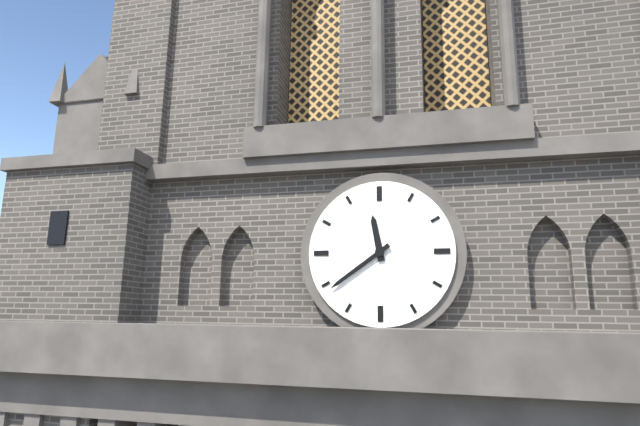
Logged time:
11h39
